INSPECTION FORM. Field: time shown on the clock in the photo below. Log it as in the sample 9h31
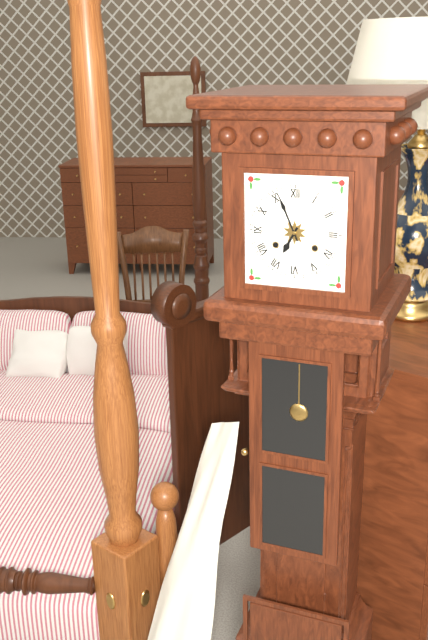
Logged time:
6h56
